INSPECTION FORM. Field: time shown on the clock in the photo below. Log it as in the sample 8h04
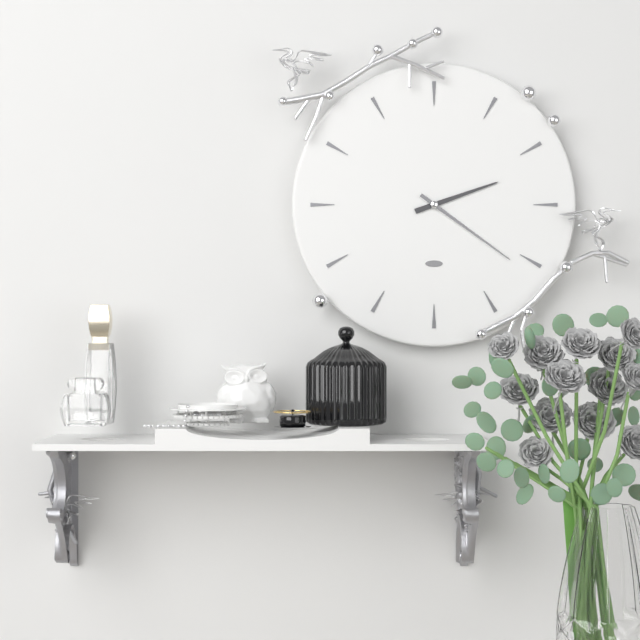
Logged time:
2h21
